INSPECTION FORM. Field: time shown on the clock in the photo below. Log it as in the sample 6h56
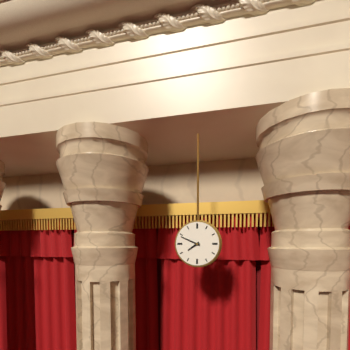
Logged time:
7h49
